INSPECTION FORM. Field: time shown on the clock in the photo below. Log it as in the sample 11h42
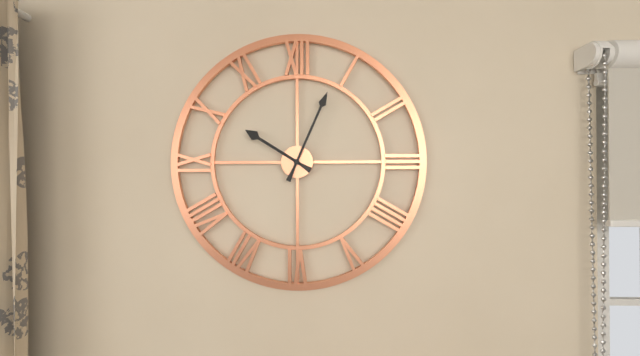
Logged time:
10h04
